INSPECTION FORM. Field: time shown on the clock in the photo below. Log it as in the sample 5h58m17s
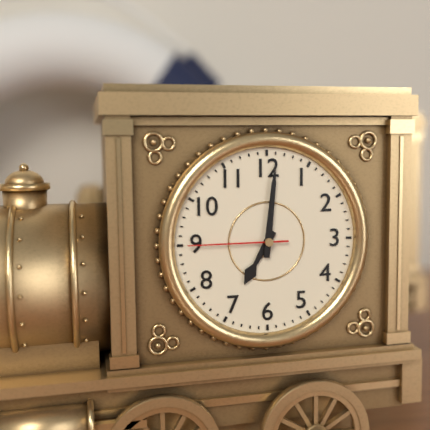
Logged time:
7h01m45s
